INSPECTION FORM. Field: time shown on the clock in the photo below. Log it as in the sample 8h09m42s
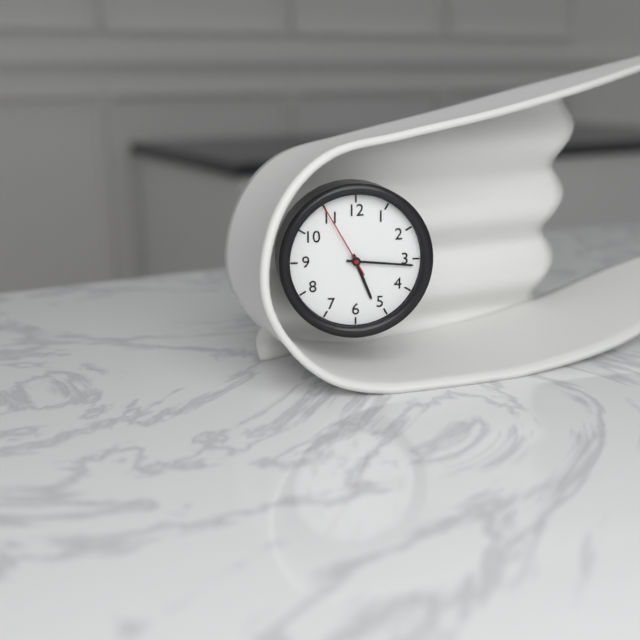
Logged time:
5h16m55s
